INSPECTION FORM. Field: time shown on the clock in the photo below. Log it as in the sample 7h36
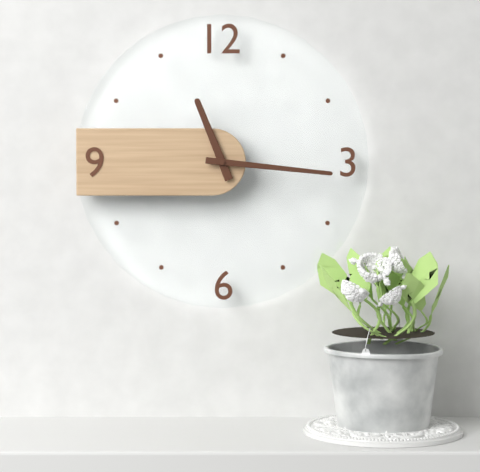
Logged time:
11h16
